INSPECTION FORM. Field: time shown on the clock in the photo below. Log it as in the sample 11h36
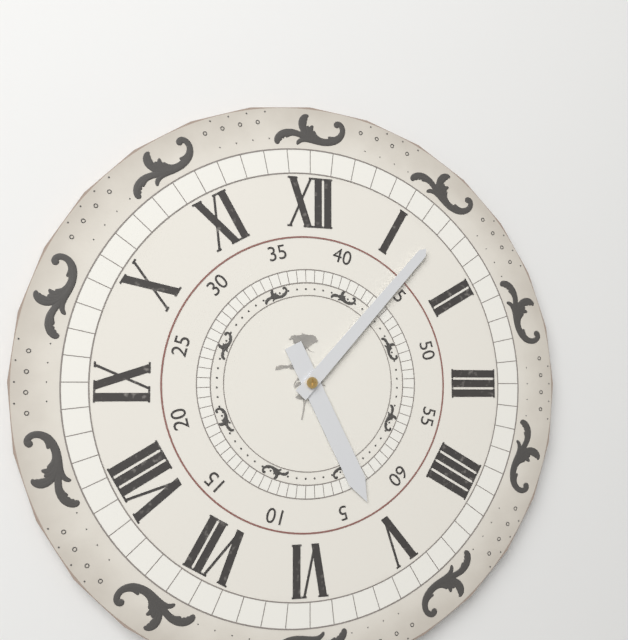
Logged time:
5h07
